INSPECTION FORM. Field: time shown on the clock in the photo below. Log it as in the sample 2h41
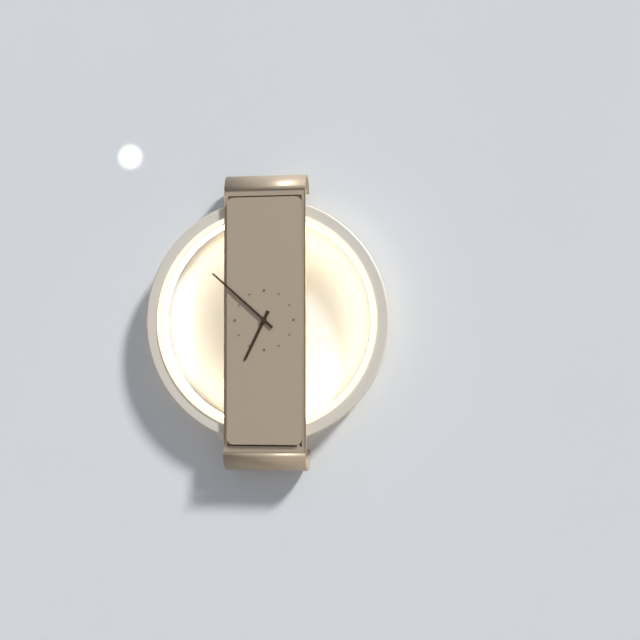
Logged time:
6h52
